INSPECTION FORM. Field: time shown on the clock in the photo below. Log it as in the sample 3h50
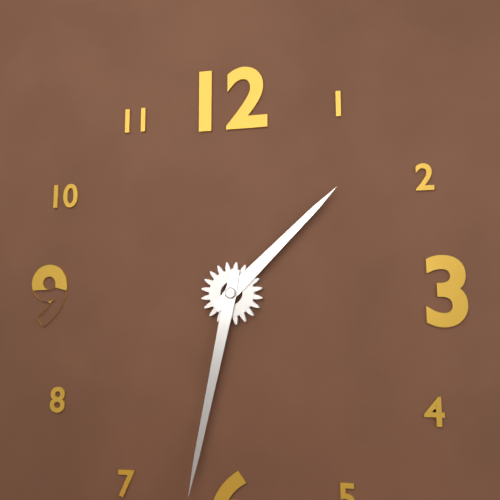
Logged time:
1h32
